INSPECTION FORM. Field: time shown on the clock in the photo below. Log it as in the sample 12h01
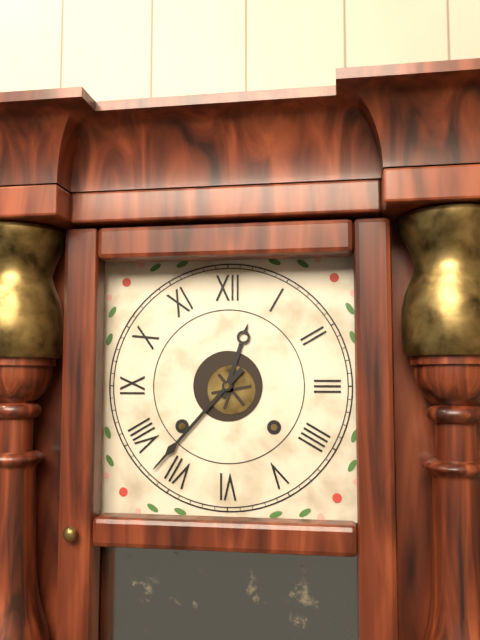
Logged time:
12h37
